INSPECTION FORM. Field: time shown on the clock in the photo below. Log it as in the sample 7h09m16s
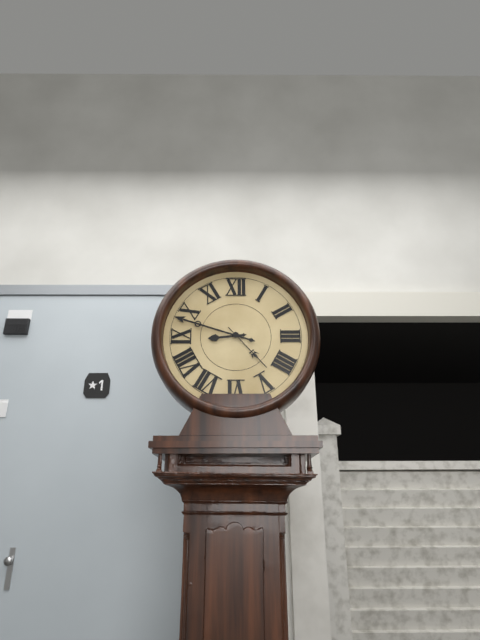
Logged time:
8h48m23s
